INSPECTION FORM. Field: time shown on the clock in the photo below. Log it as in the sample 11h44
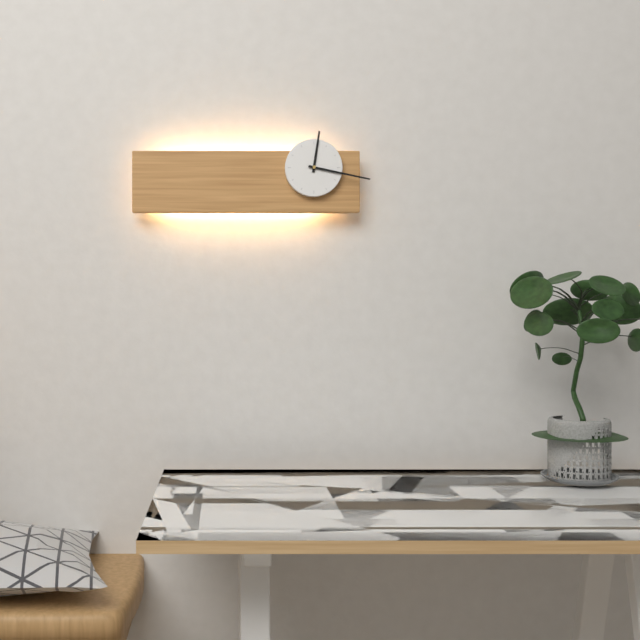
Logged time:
12h17
